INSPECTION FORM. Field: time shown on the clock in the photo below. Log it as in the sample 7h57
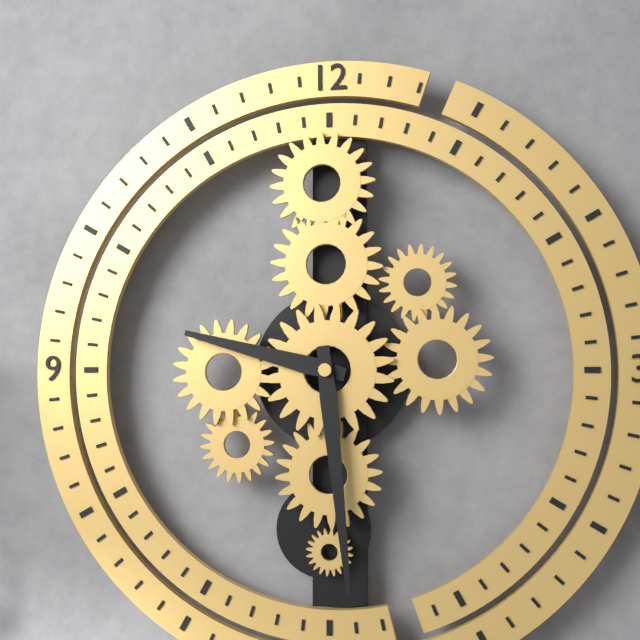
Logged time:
9h29
